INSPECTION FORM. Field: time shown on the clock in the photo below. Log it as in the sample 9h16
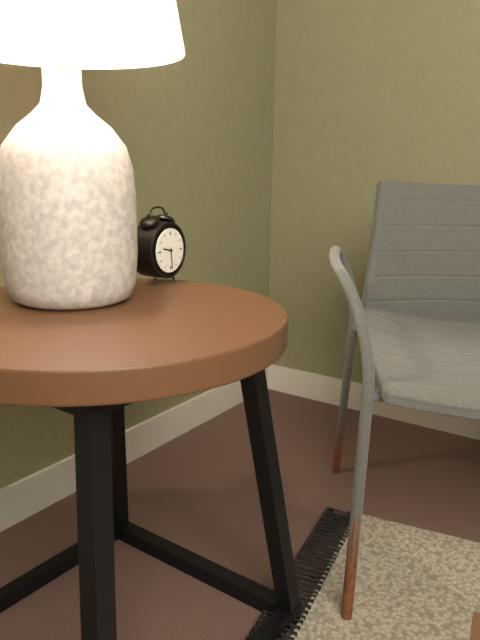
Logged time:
9h29
